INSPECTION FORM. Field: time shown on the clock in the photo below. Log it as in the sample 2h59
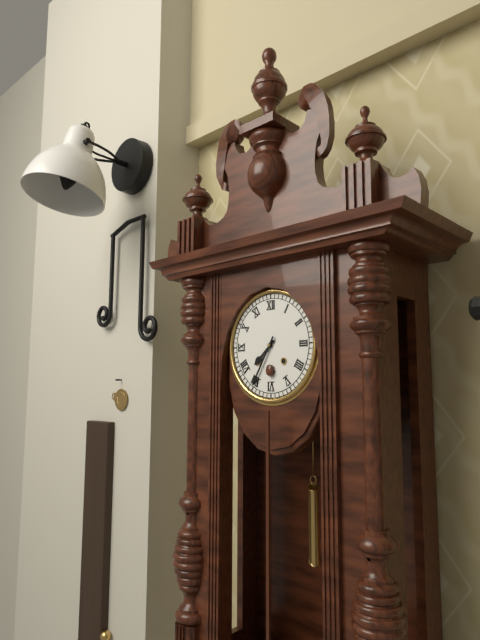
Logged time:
7h35
